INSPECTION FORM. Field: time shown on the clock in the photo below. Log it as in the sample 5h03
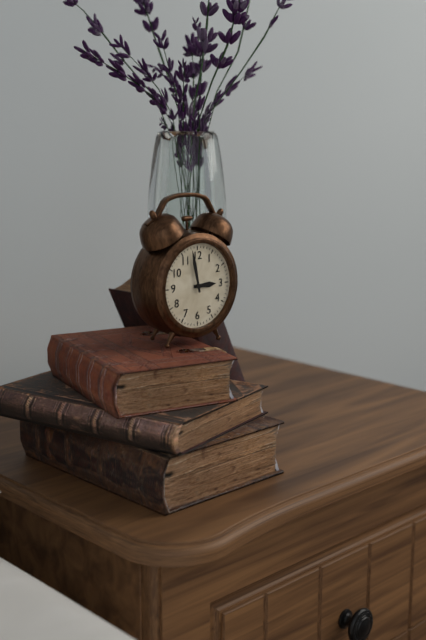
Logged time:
2h58
